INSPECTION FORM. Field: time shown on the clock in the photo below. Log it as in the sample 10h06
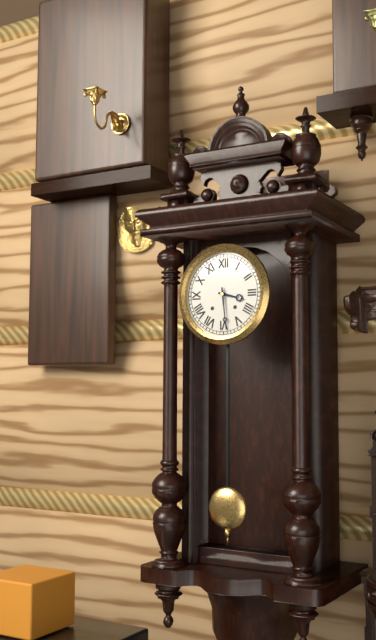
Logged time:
3h29
